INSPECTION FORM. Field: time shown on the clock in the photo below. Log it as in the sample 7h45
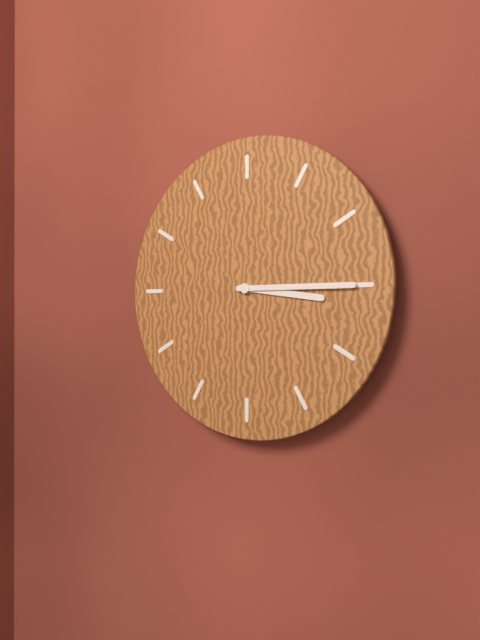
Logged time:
3h15
